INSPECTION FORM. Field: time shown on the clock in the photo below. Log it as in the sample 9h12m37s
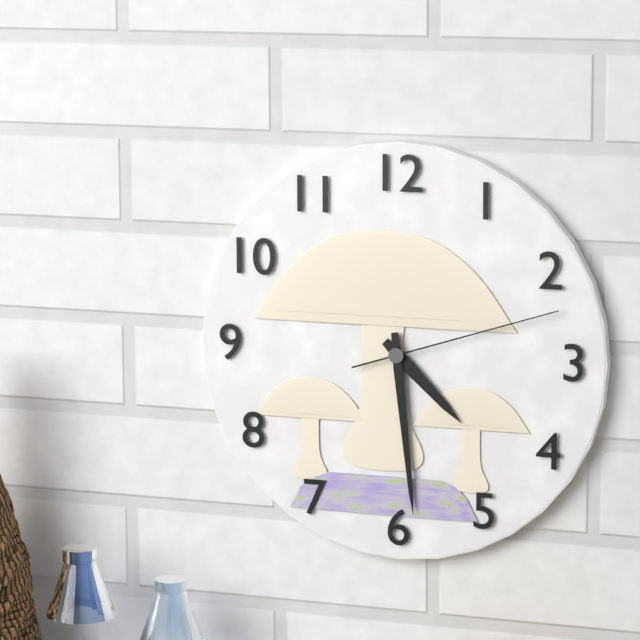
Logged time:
4h29m12s
